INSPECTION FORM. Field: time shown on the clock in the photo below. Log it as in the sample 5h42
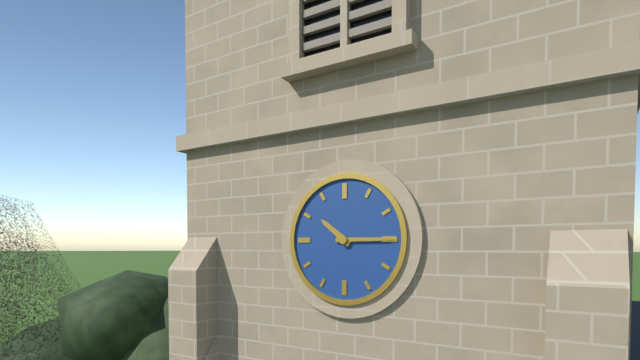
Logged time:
10h15
